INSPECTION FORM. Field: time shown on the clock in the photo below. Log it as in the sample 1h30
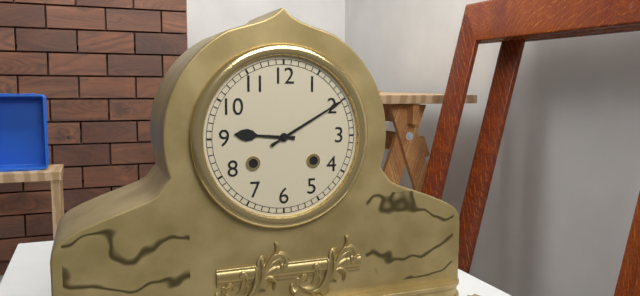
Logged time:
9h10
